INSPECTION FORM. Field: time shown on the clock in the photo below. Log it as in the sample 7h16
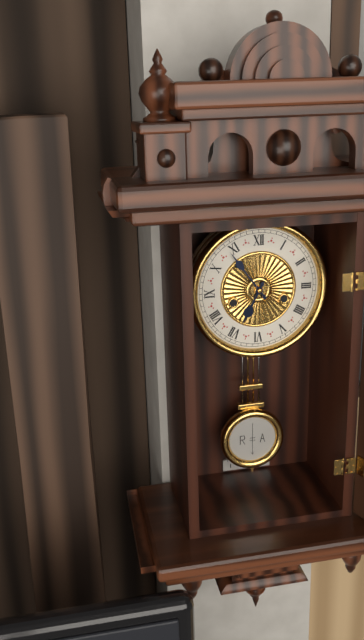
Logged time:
6h54
